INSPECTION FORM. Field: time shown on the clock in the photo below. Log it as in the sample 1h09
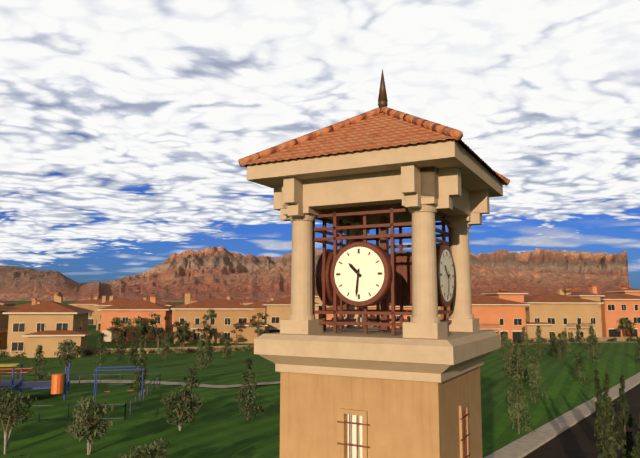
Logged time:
10h31
